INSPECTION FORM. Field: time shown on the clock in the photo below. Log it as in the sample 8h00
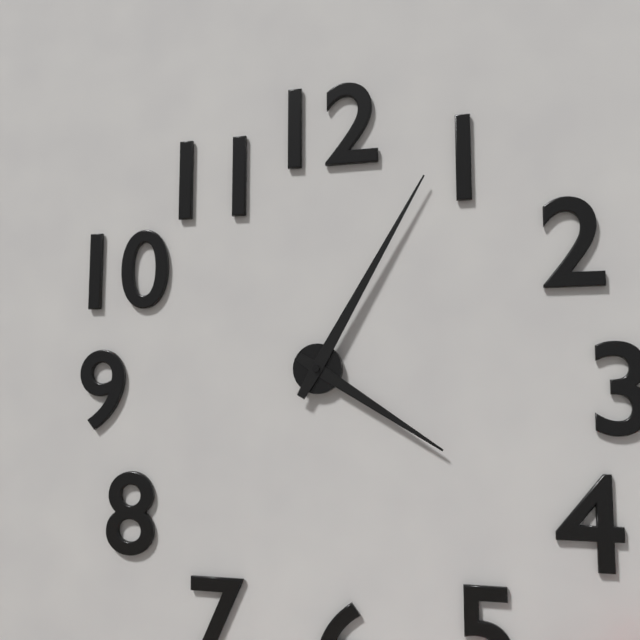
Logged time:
4h05
